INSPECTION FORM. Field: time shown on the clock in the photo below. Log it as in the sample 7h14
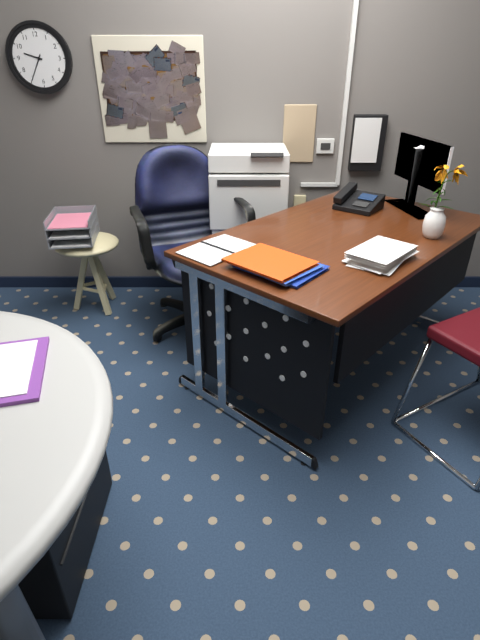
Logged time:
9h35
